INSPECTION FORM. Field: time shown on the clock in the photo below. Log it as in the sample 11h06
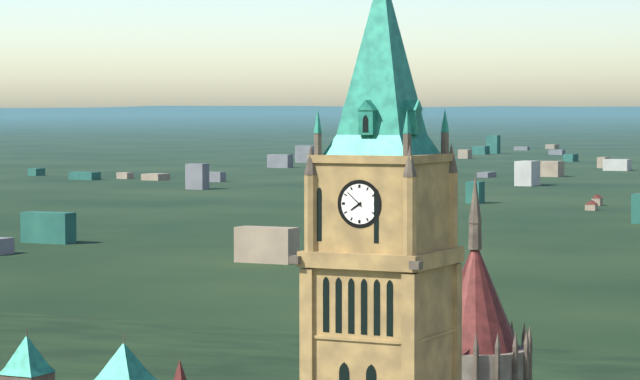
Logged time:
7h52
